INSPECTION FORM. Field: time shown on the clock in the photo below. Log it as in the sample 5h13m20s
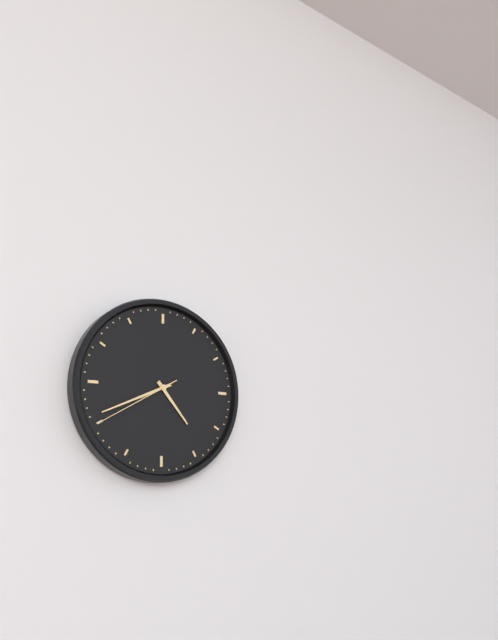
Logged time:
4h41m40s
